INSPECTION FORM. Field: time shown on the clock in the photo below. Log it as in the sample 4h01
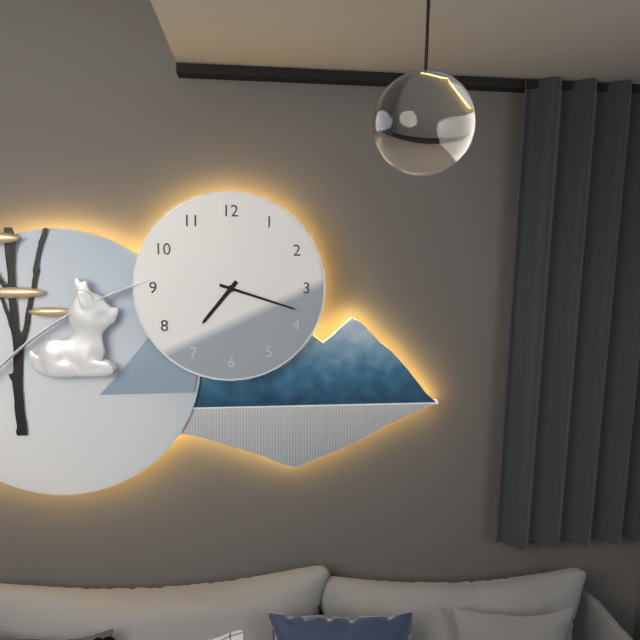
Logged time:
7h18
